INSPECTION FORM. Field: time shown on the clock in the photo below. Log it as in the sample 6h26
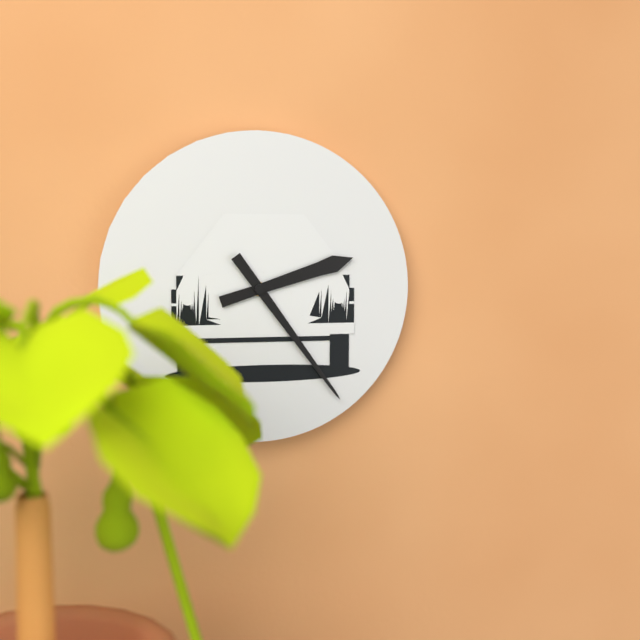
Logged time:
2h24
